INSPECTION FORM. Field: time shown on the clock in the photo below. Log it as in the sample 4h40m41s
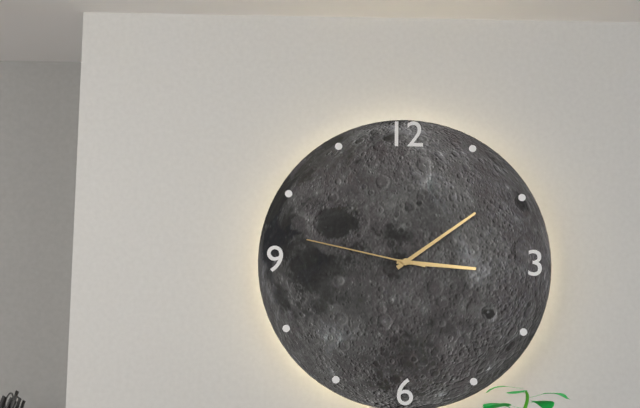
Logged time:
3h09m47s
